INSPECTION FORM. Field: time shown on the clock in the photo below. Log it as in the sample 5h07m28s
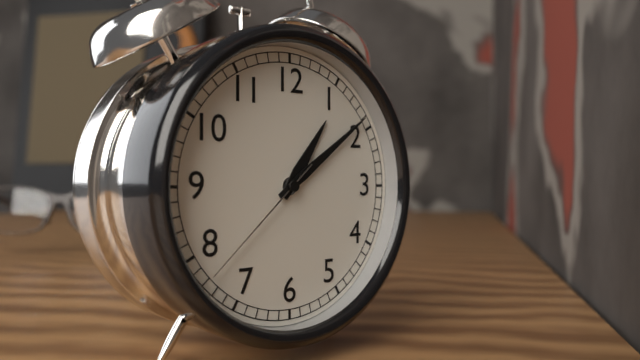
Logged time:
1h09m38s
